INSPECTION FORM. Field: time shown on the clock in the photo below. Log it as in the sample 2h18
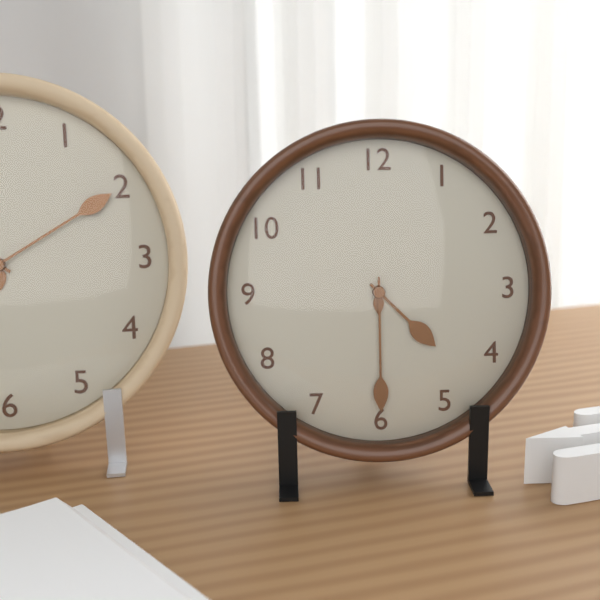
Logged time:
4h30
